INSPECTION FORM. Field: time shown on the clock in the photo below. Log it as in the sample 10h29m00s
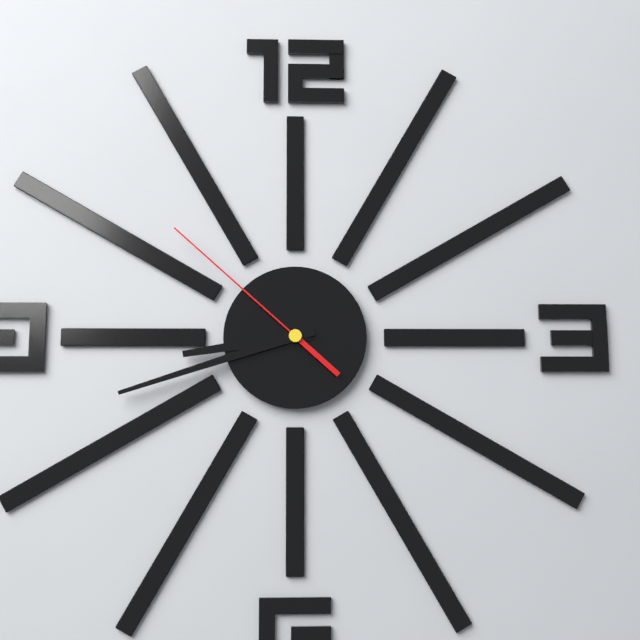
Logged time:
8h42m52s
